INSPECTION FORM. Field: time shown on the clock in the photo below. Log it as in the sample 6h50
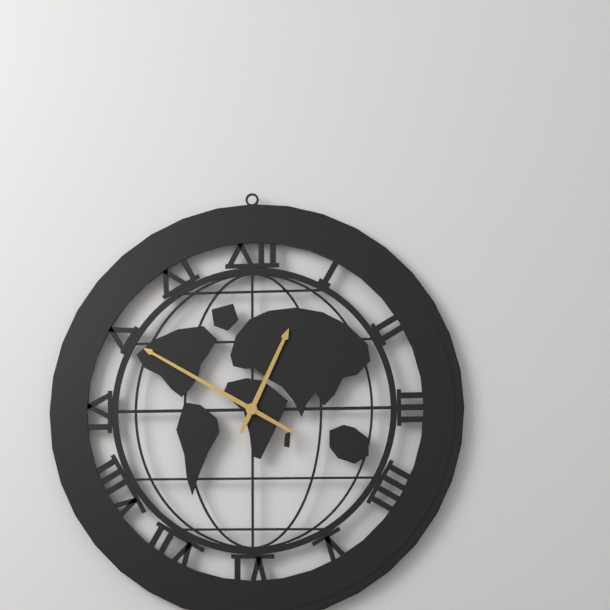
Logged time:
12h50
